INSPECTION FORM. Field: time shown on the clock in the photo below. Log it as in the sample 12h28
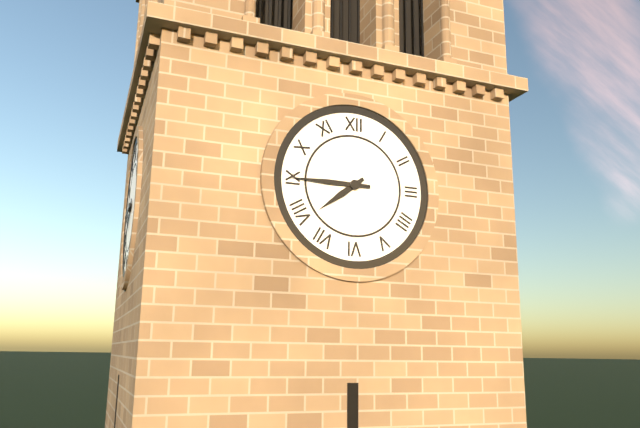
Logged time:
7h45
